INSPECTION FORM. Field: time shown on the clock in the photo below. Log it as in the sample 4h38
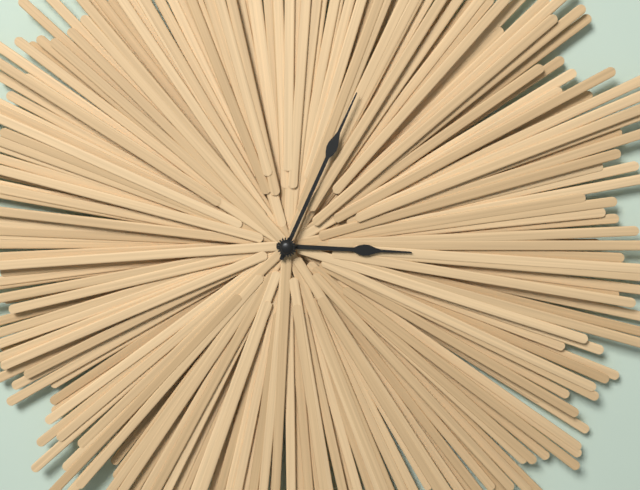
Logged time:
3h04
